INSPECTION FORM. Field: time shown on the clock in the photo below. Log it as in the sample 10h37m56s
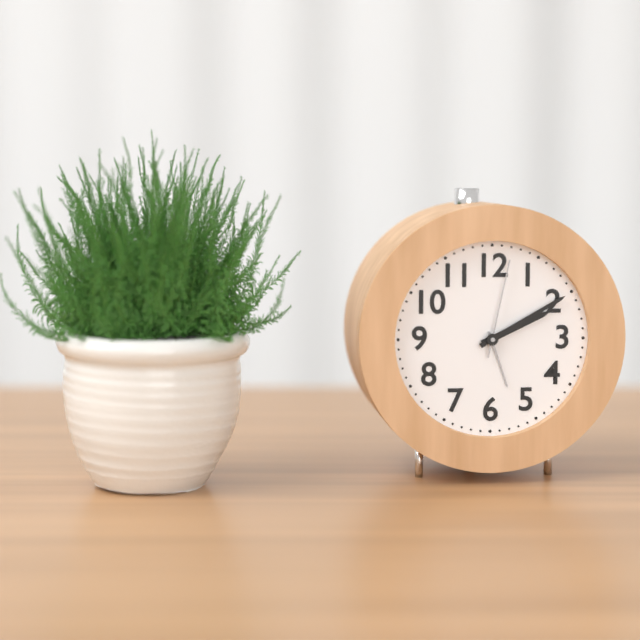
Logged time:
2h10m02s
